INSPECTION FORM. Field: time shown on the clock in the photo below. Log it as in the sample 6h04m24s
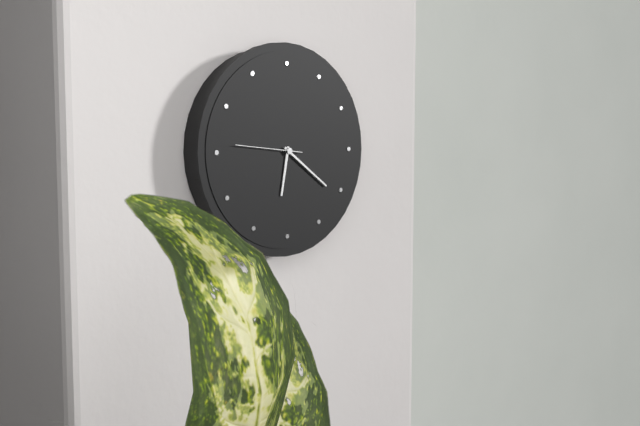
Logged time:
6h21m46s
